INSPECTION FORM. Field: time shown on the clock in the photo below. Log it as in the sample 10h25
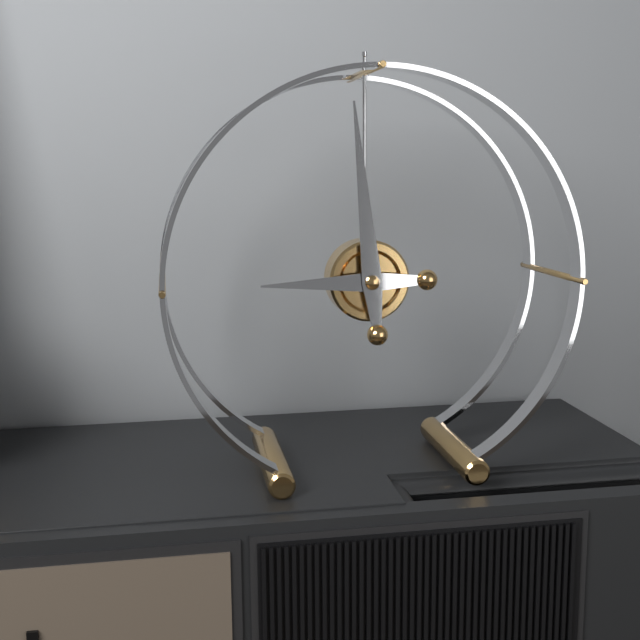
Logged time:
8h59
